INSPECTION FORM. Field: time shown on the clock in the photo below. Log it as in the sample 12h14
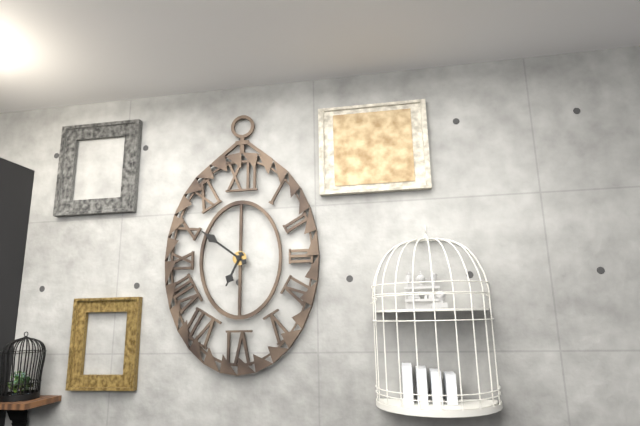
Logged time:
6h51
